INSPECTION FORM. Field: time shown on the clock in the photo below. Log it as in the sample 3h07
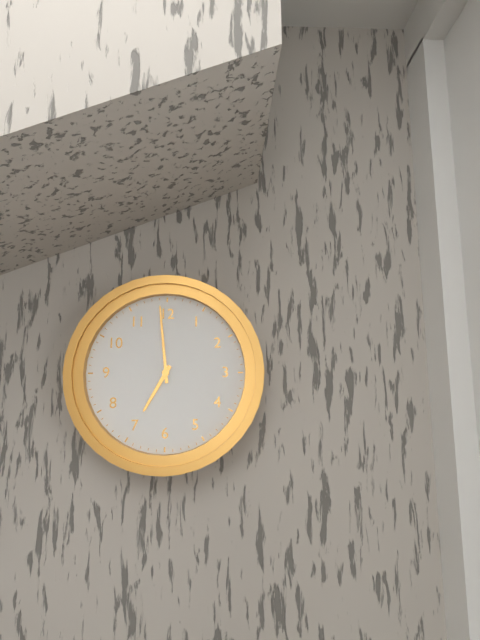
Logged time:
6h59
